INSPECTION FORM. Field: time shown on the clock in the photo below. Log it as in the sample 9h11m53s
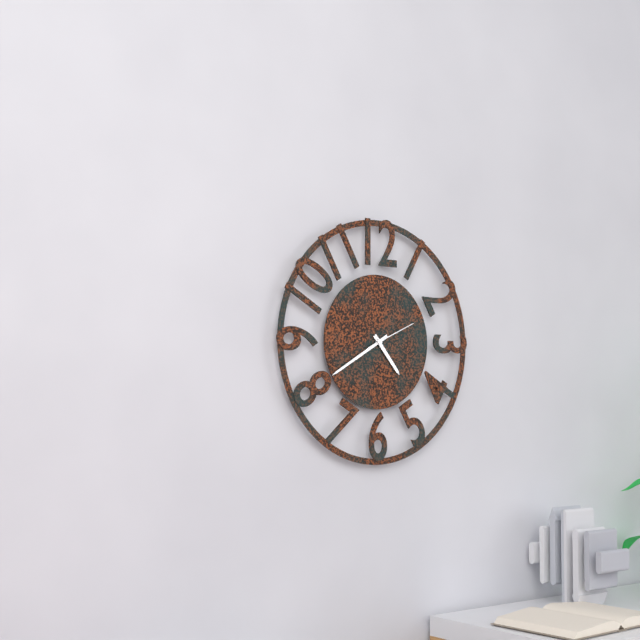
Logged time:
4h40m11s
